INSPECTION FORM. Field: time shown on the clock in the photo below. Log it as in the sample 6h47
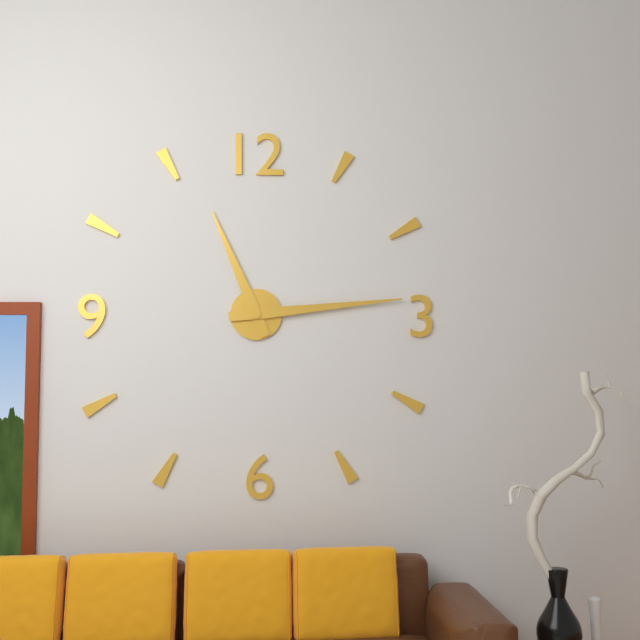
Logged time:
11h14
